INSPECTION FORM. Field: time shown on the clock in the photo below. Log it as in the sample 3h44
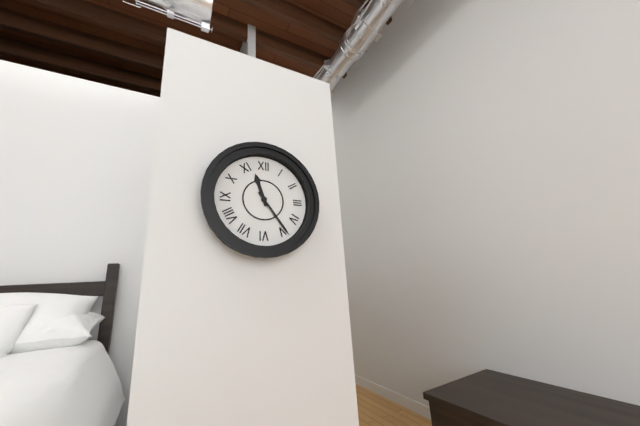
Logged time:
11h24
